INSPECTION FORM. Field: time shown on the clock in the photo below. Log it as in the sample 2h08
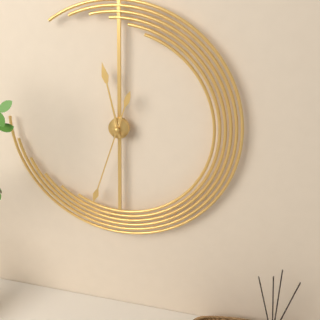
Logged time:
11h33
